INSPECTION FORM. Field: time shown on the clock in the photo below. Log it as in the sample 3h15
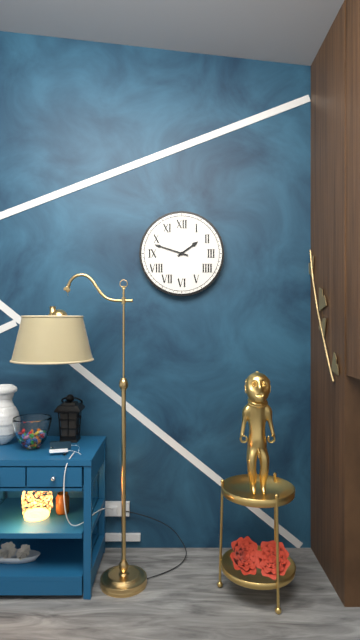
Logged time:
1h48
